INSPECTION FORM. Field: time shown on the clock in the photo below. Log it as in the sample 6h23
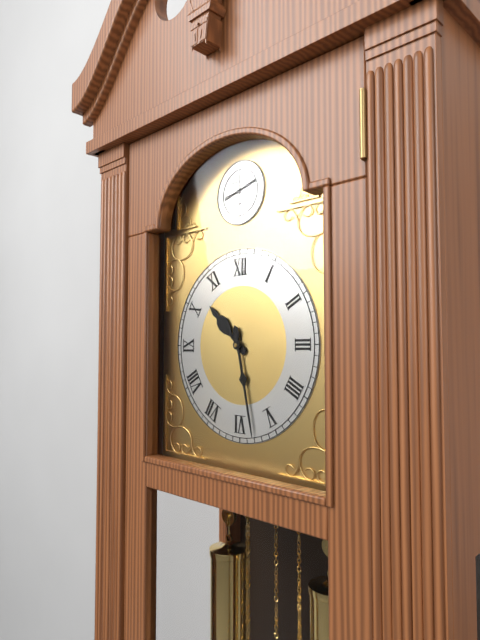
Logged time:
10h28
